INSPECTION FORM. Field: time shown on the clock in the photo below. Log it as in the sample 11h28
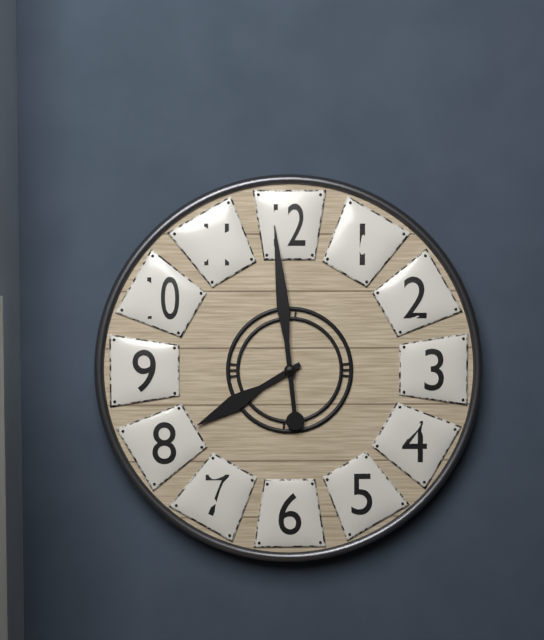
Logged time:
7h59
